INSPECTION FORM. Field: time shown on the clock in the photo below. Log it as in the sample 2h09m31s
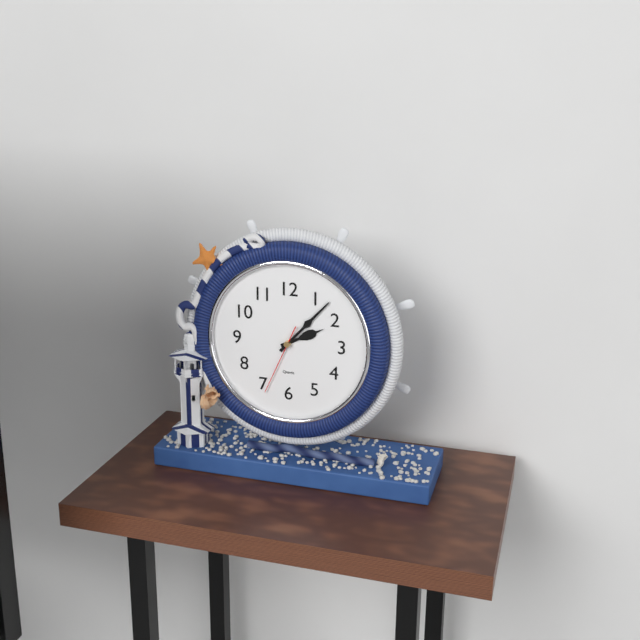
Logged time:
2h07m34s
